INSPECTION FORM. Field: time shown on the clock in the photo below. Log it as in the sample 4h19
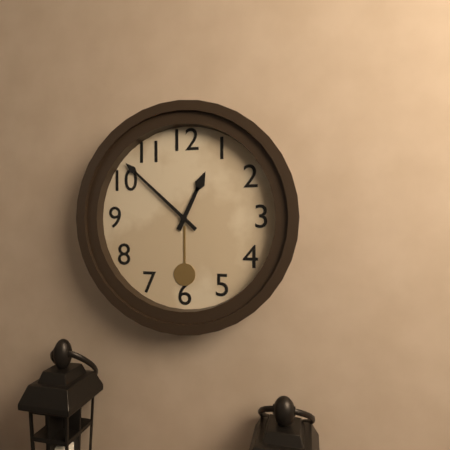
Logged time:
12h52
